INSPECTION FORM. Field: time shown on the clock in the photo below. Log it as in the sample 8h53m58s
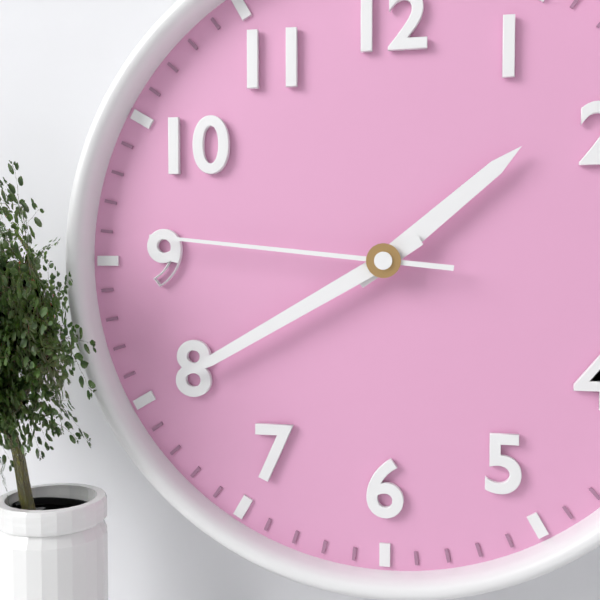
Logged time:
1h40m46s
